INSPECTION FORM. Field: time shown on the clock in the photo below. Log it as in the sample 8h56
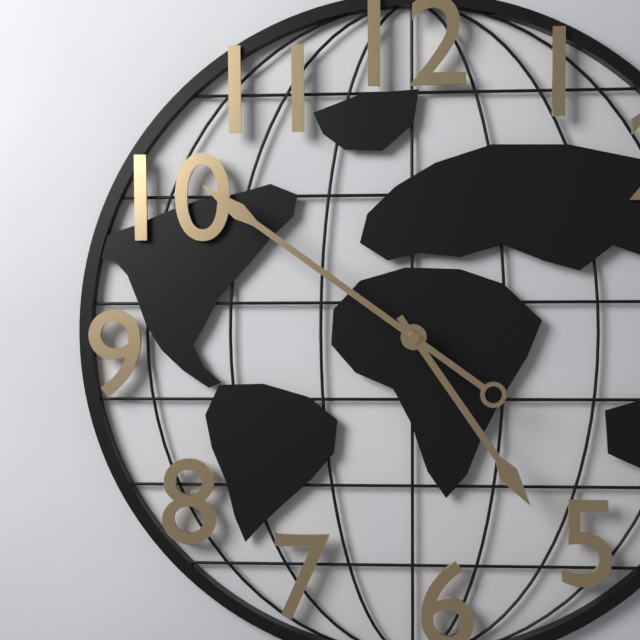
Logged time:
4h51
